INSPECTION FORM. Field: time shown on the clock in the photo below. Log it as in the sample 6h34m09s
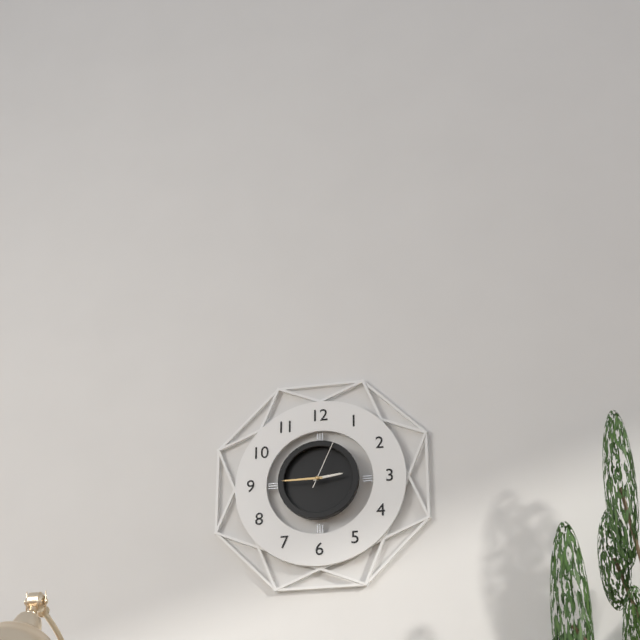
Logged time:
2h45m04s
